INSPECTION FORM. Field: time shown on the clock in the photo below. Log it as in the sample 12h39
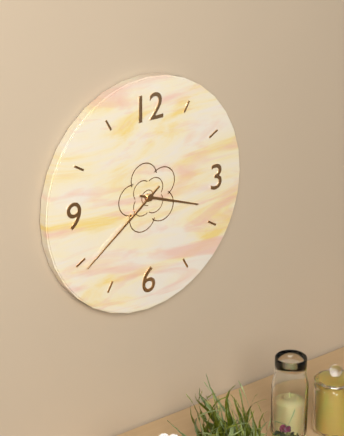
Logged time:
3h39
